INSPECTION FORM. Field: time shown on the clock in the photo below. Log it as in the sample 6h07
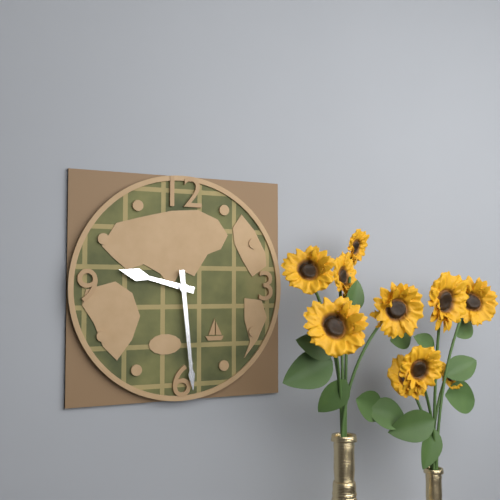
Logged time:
9h29
